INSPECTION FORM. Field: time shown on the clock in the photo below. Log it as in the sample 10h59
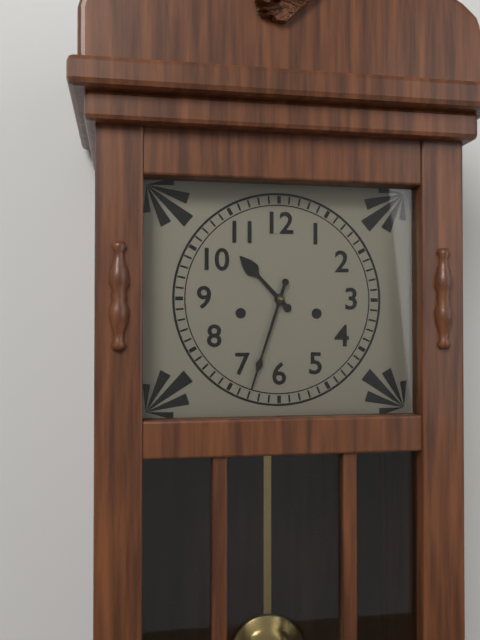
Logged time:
10h33
